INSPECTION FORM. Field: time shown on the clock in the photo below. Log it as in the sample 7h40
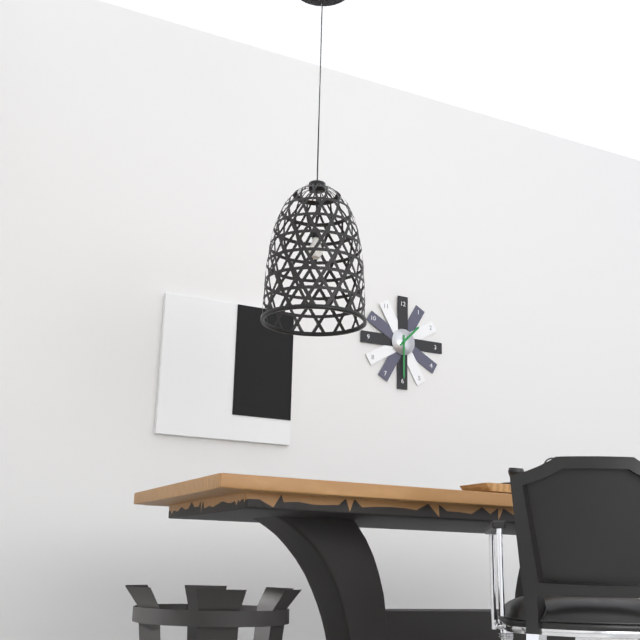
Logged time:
1h30
